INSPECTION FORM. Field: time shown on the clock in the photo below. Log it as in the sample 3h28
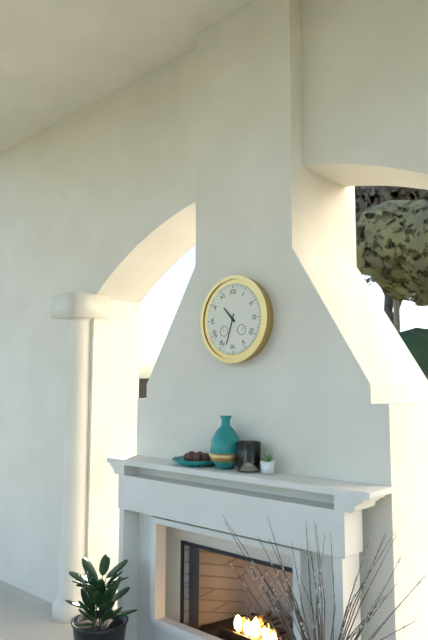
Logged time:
10h33
